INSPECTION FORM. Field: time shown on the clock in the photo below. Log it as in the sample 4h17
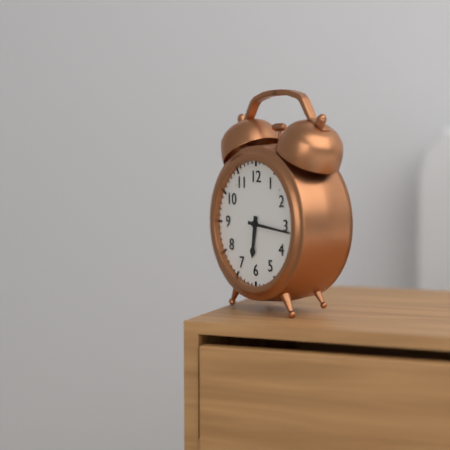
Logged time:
6h16
